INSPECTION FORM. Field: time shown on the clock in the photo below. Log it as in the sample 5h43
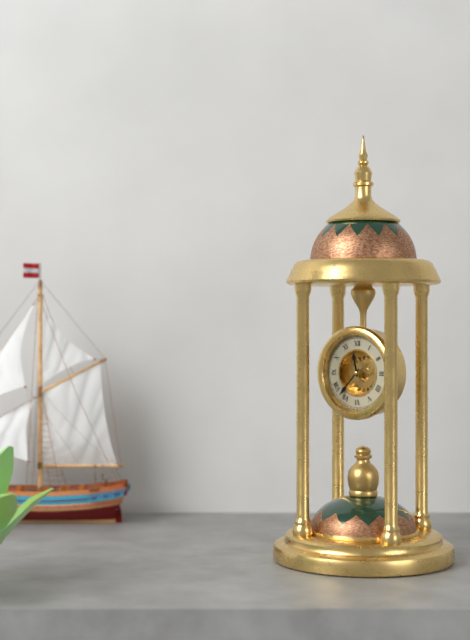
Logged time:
11h37
